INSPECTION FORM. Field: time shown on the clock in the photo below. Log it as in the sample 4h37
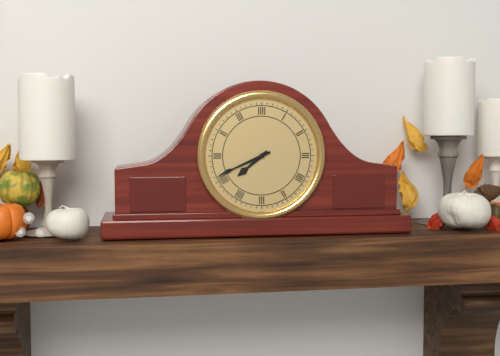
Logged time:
7h41
